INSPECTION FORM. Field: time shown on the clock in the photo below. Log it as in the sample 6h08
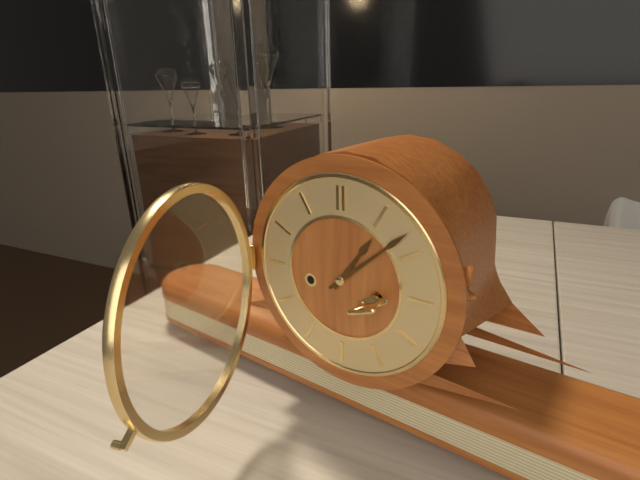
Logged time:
1h08
